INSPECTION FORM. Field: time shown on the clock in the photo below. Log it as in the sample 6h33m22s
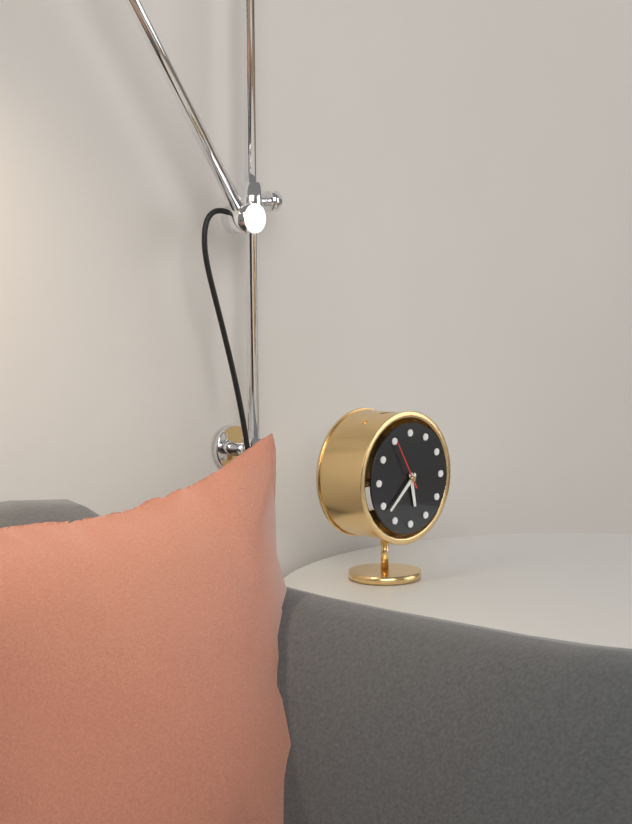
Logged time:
5h38m55s
